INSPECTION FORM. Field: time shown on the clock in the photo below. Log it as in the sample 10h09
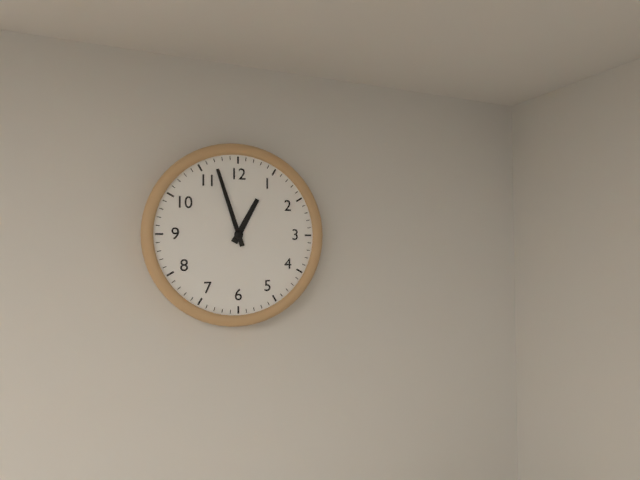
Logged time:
12h57
